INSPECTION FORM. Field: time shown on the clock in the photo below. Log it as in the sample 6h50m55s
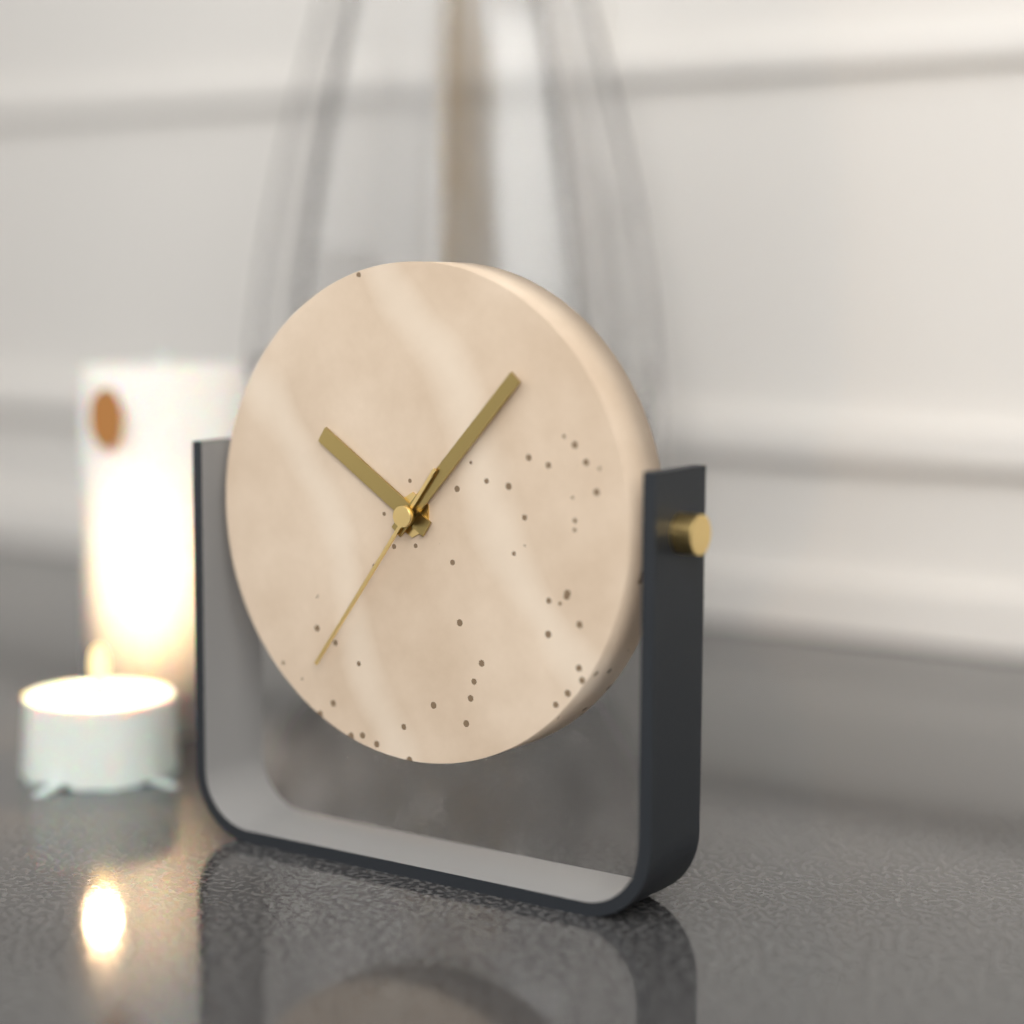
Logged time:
10h07m36s
